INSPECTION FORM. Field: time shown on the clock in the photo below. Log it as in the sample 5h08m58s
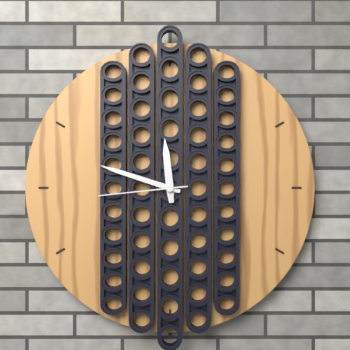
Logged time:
11h48m44s
